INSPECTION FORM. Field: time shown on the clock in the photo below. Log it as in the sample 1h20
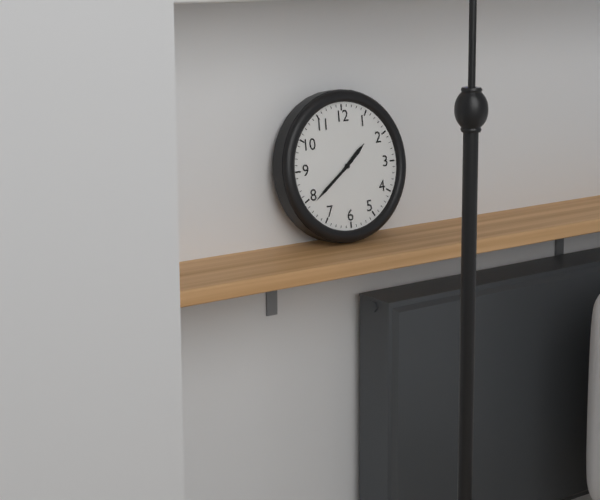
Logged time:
1h39
